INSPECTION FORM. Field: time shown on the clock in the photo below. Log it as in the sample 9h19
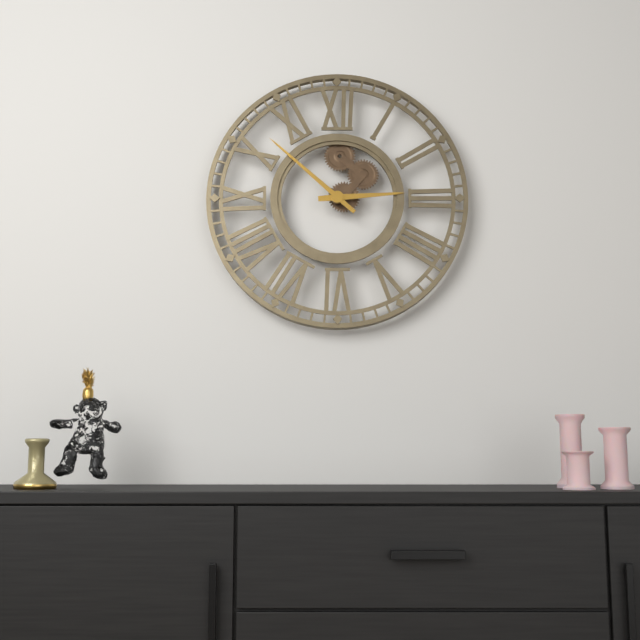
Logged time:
2h52
